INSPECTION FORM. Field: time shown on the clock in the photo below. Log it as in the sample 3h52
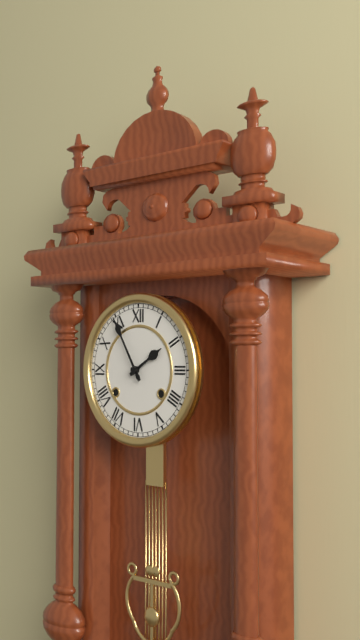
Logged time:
1h55
